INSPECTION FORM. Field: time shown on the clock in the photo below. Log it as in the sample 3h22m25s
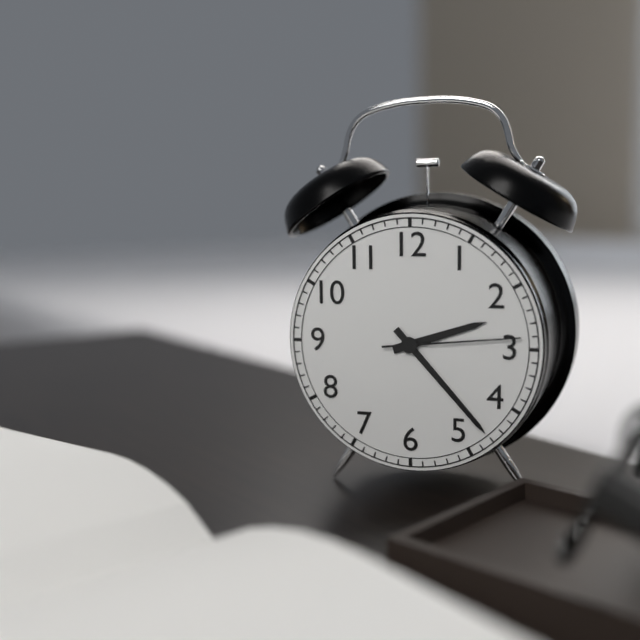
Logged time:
2h23m14s
